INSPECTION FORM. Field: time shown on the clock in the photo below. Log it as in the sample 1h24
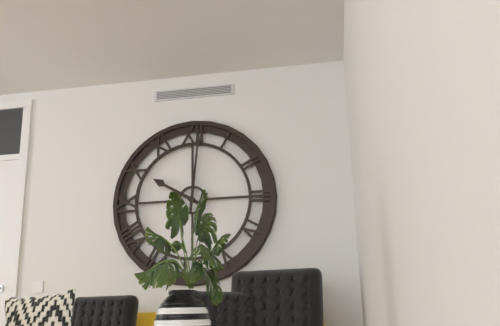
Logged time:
10h01
